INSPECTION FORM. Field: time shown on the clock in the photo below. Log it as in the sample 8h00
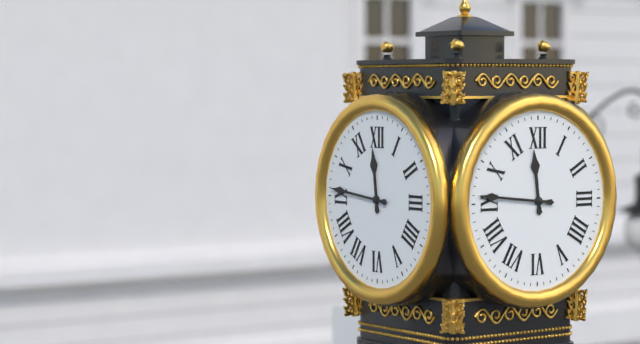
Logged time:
11h46
